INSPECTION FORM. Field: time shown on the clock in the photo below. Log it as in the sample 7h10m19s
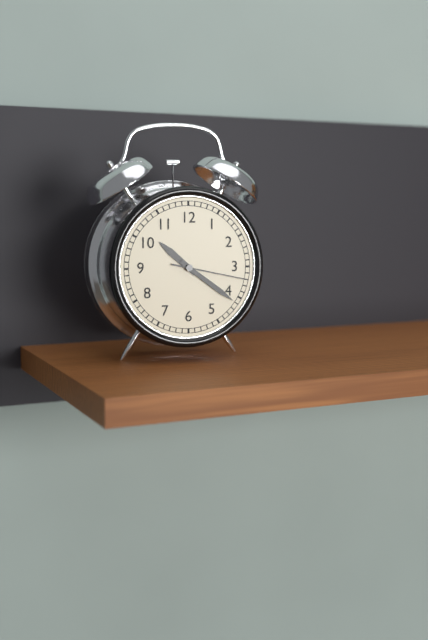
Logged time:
10h21m17s
